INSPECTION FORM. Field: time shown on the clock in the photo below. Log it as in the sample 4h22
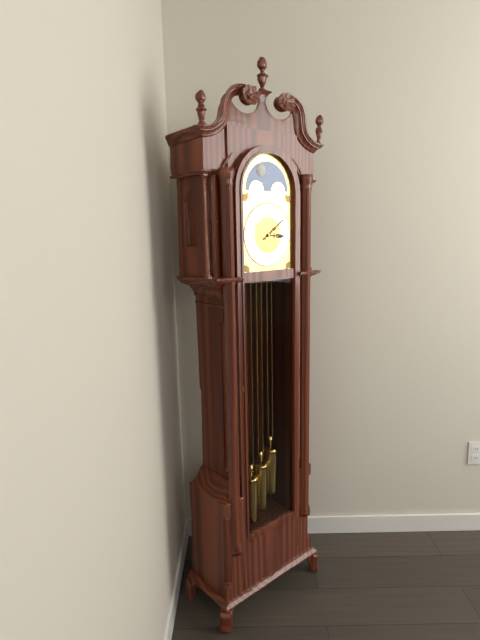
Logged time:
3h09
